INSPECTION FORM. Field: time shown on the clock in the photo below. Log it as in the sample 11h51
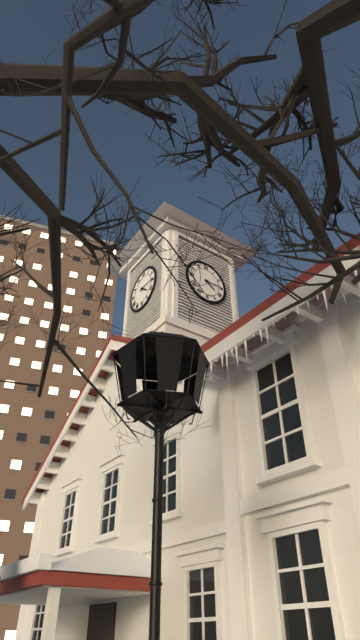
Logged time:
4h15
